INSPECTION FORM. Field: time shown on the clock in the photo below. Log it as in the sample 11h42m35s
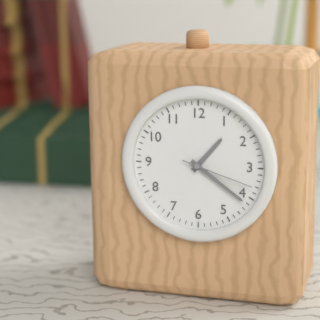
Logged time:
1h21m18s
